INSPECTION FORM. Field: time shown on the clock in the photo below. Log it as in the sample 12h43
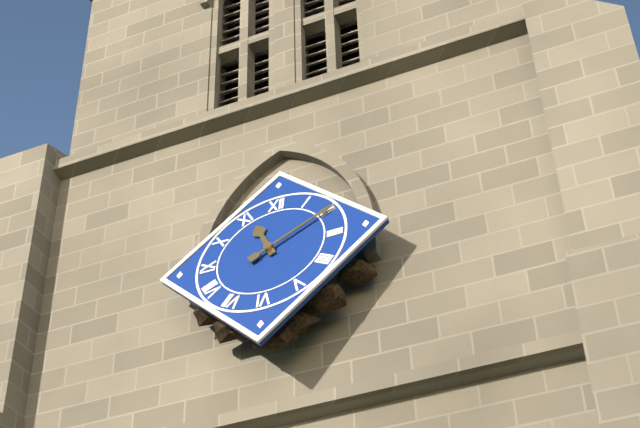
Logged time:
11h10
